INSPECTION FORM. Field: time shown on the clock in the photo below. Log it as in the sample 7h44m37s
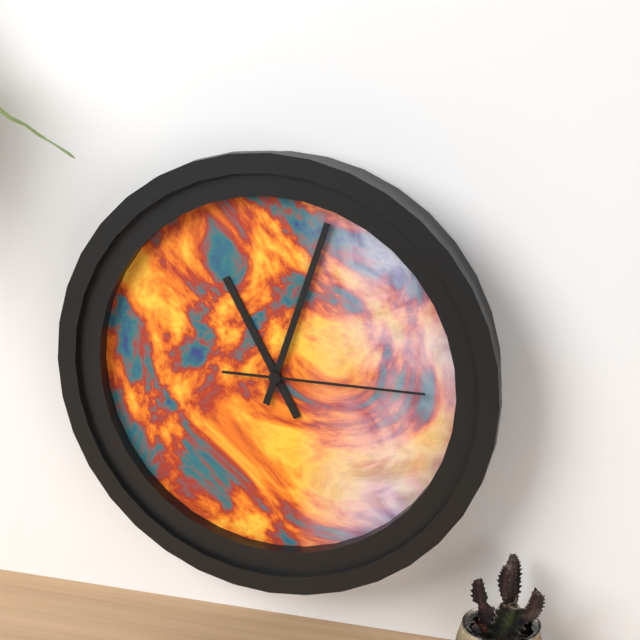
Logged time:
11h03m15s
